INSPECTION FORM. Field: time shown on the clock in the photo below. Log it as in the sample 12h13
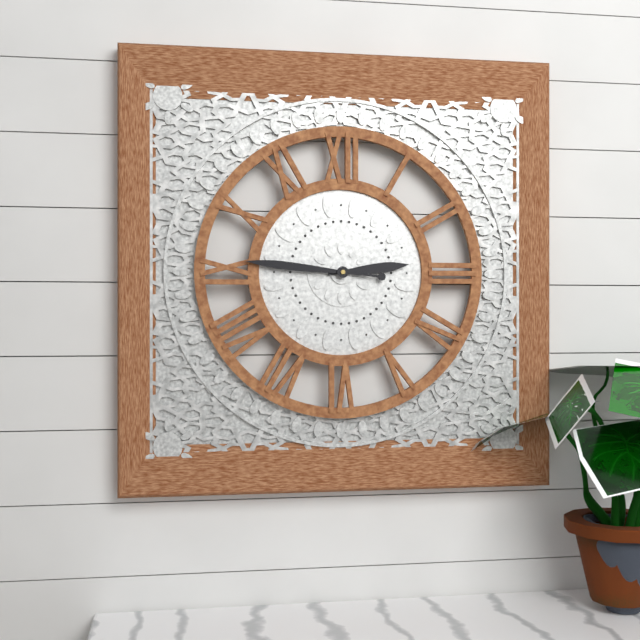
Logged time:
2h46
